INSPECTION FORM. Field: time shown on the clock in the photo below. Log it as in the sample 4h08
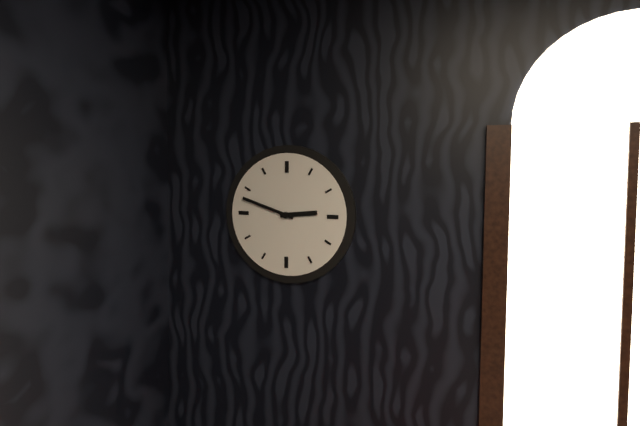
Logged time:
2h48
